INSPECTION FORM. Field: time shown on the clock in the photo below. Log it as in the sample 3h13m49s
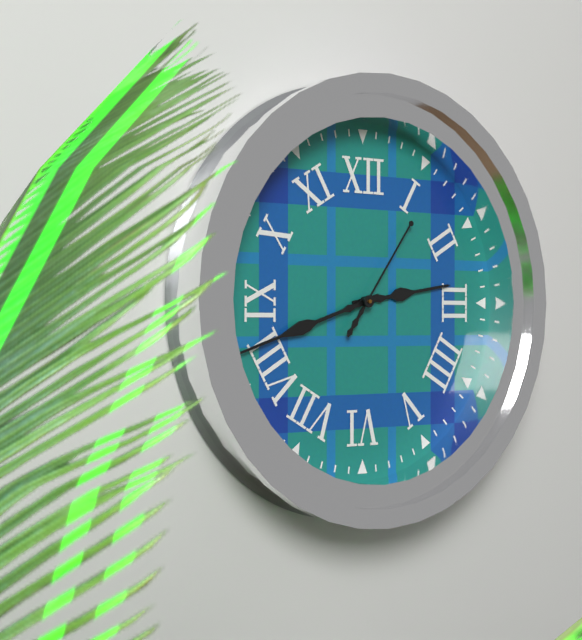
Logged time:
2h42m06s
